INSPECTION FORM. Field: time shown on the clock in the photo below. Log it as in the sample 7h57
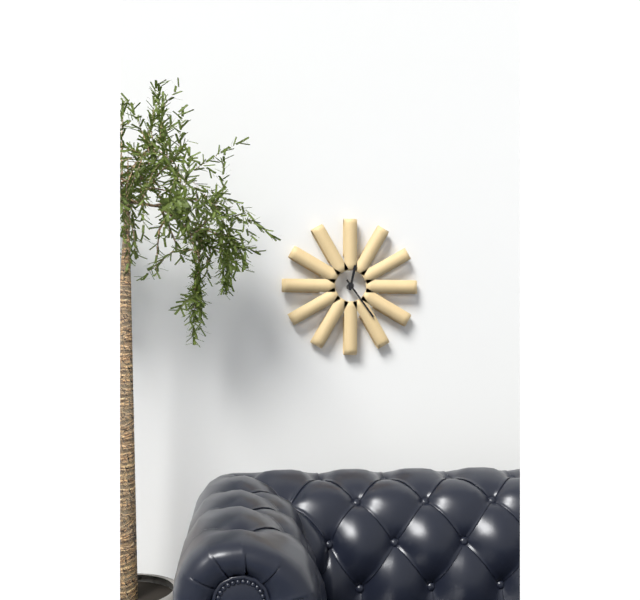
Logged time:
12h24
